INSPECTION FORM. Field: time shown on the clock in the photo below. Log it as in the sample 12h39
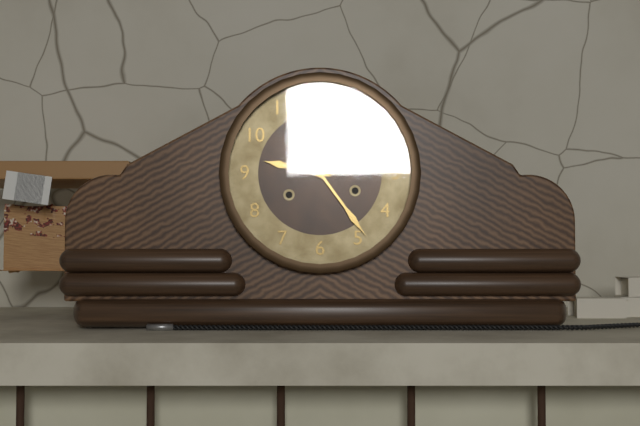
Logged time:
9h24
